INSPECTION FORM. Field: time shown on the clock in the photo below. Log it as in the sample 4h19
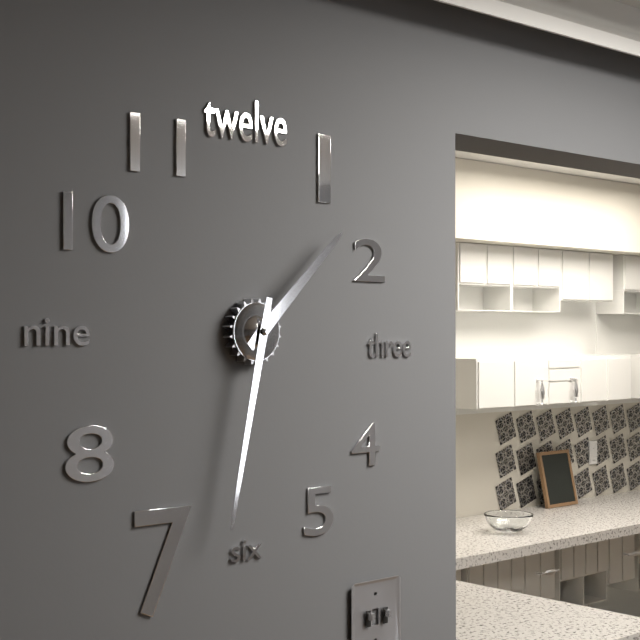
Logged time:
1h32
